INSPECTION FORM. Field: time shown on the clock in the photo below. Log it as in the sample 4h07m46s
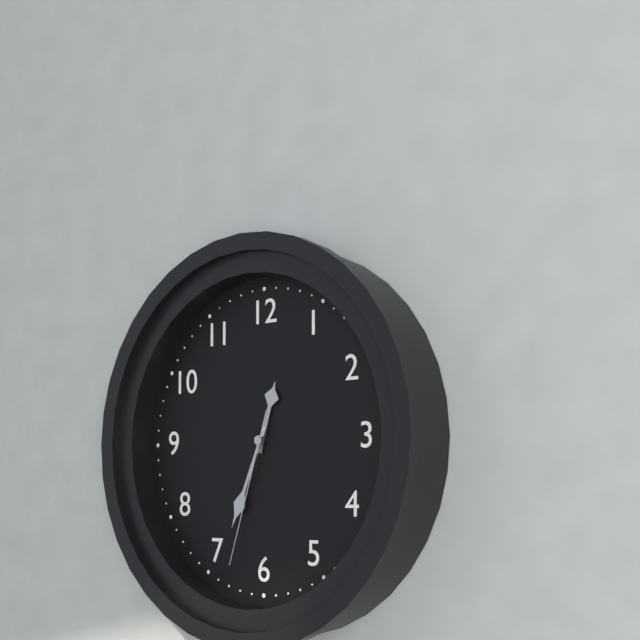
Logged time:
12h34m33s
